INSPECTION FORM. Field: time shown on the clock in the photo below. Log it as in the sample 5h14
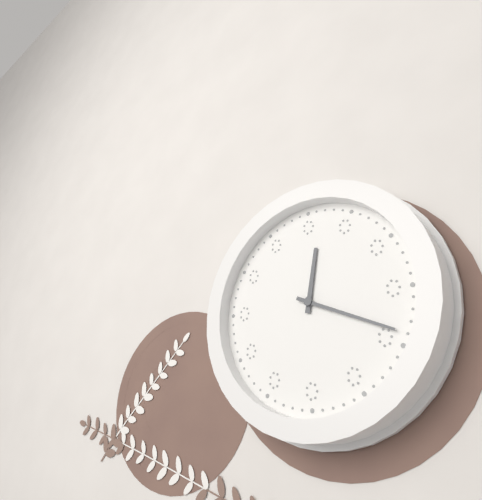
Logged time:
12h19
